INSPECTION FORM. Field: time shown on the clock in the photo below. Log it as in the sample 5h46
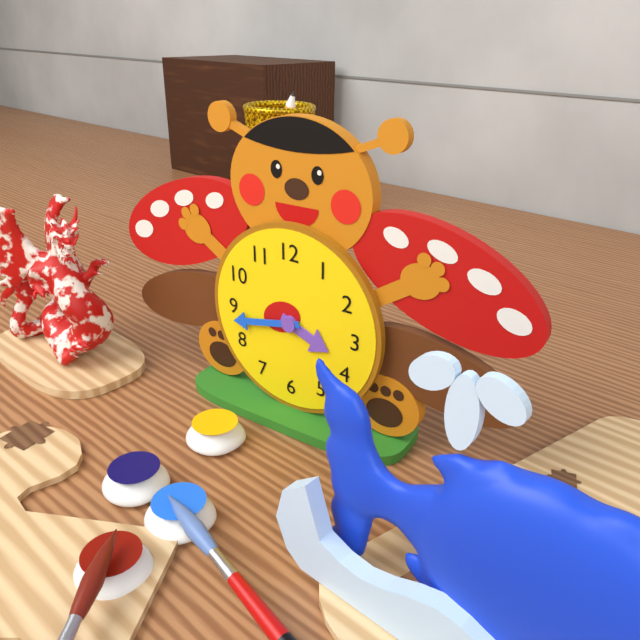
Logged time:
3h43
